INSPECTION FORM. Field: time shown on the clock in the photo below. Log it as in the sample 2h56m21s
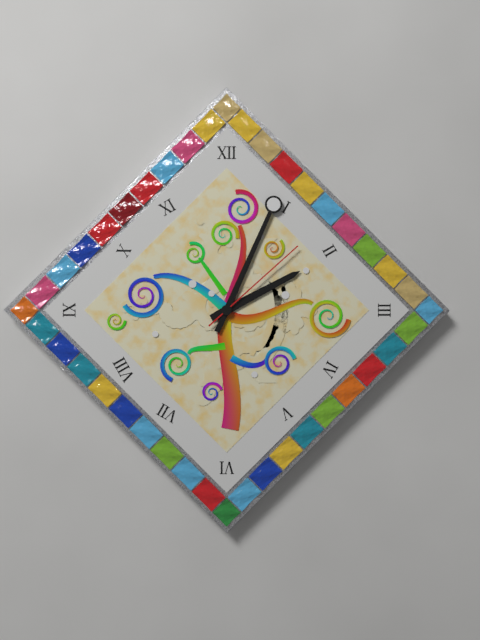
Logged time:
2h04m08s
